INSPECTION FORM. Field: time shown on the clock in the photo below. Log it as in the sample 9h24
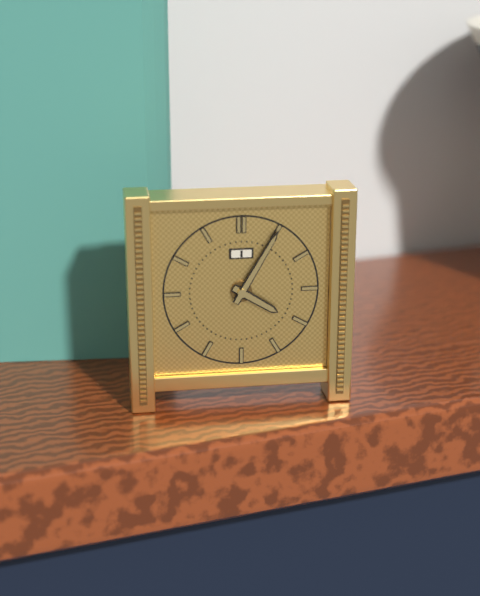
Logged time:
4h05
